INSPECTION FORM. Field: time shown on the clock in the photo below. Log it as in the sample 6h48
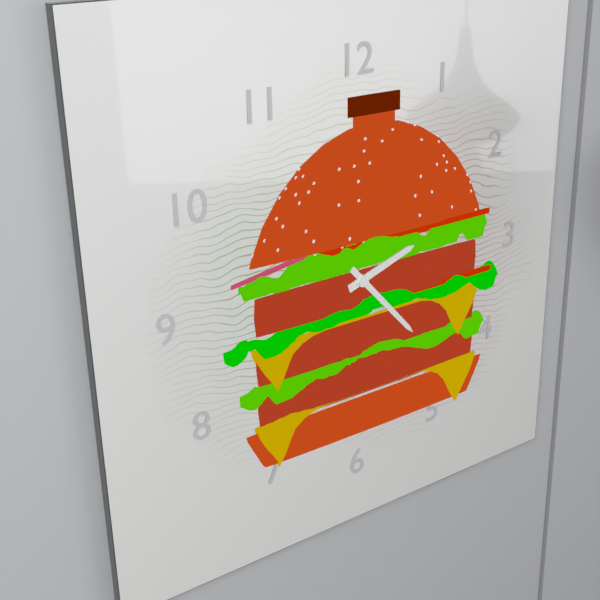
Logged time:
2h23
